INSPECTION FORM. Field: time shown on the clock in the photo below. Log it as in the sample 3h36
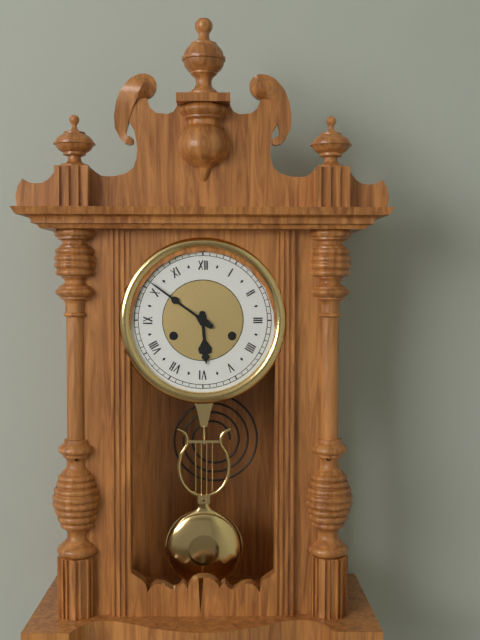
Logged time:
5h51
